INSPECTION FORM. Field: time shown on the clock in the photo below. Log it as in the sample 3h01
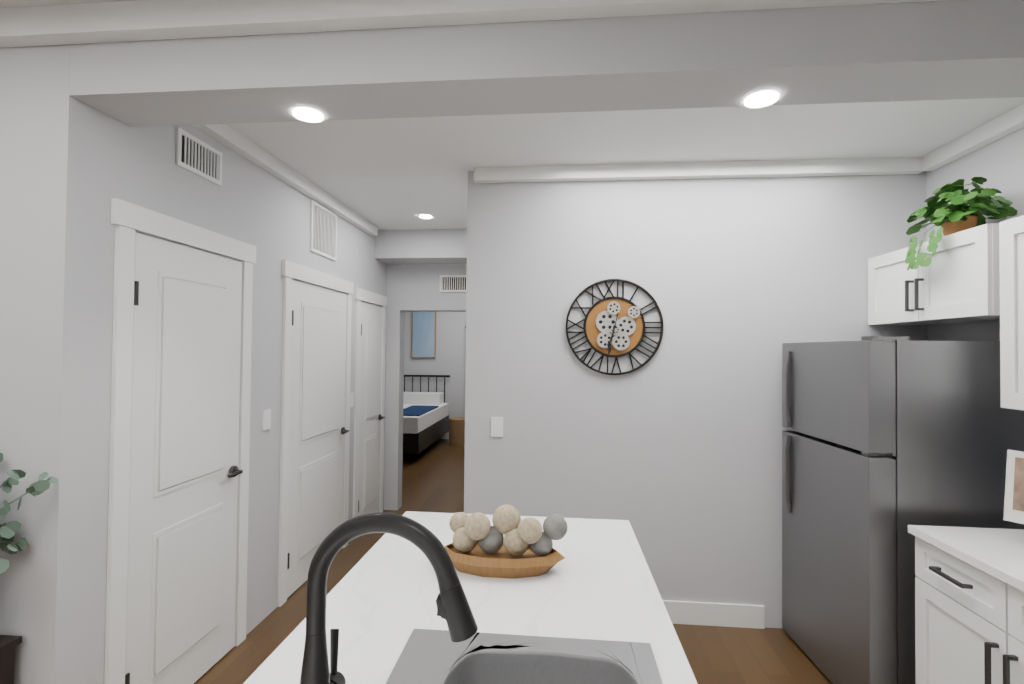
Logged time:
6h32
